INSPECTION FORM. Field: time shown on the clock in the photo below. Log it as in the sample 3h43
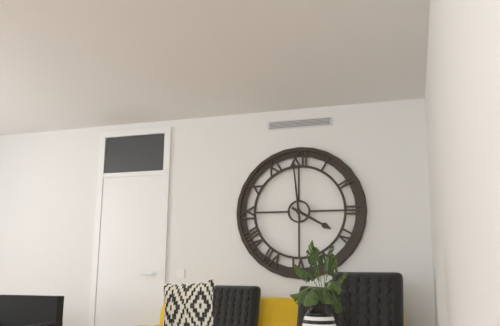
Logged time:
3h59
